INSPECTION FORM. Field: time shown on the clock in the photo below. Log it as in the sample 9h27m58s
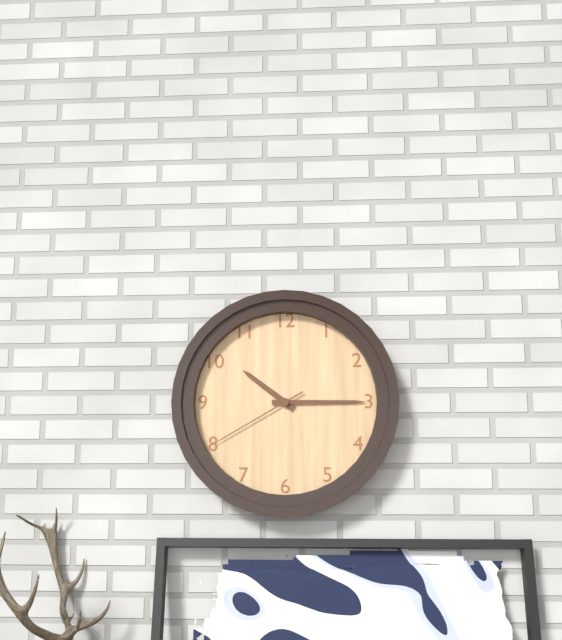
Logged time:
10h15m40s
